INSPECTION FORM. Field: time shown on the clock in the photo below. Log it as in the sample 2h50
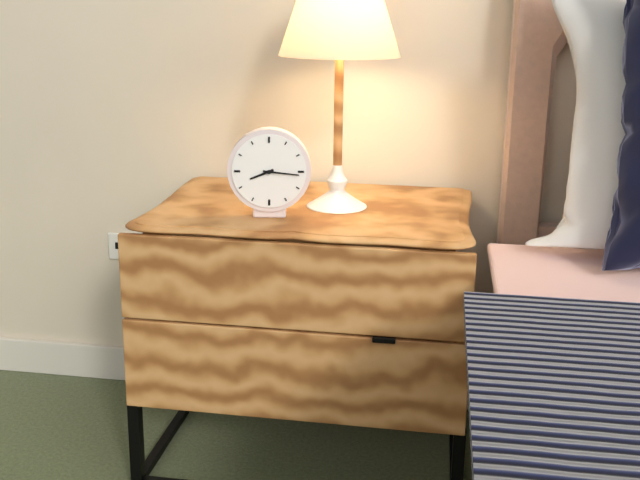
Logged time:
8h16
